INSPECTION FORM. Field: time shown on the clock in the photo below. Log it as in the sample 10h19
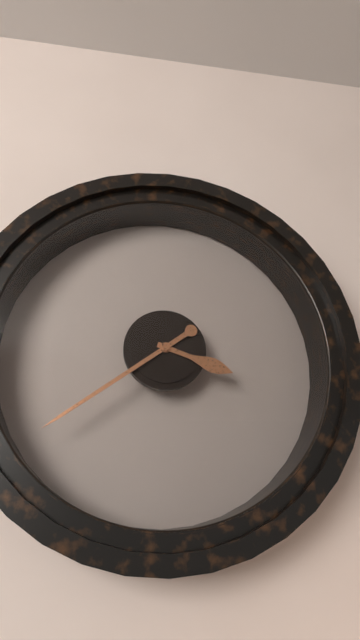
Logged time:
3h39
